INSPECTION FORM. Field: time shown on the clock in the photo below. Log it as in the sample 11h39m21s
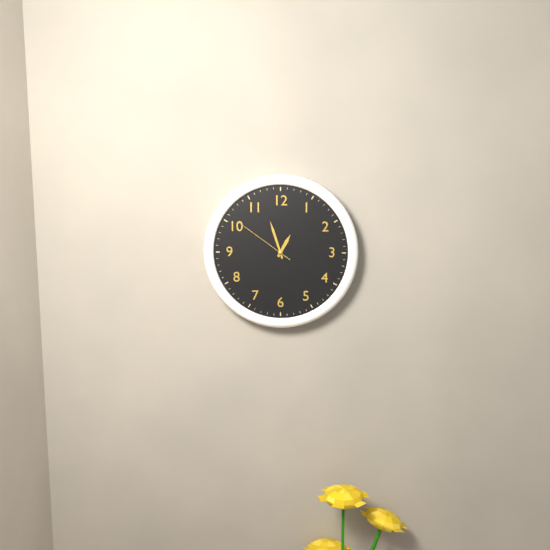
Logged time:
12h57m51s
